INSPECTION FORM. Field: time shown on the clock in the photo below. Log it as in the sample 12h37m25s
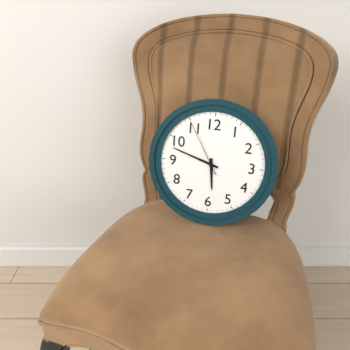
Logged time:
5h48m55s
